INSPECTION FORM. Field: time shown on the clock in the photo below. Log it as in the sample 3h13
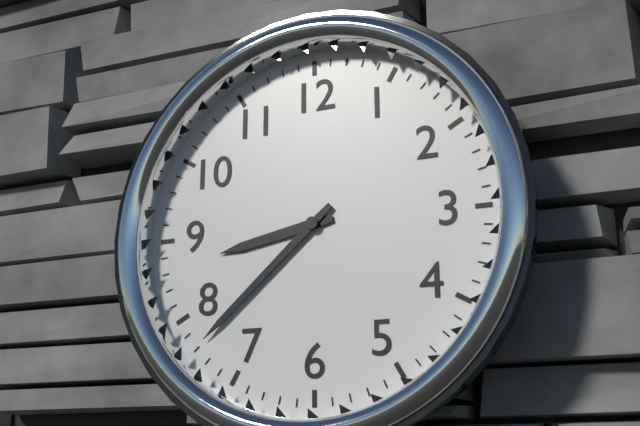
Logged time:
8h38
